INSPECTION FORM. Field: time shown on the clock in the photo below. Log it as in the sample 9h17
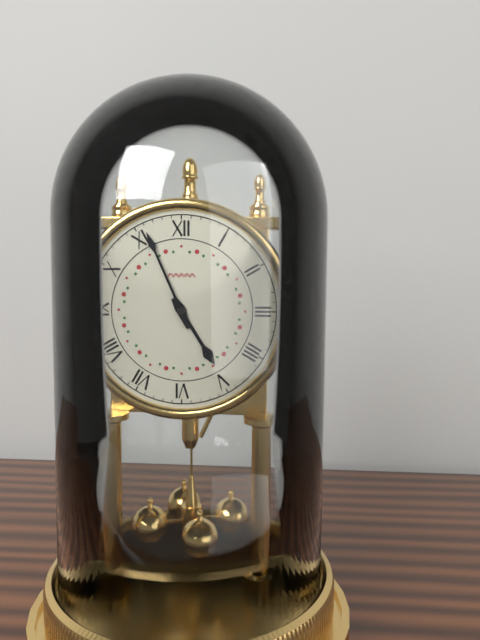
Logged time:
4h56
